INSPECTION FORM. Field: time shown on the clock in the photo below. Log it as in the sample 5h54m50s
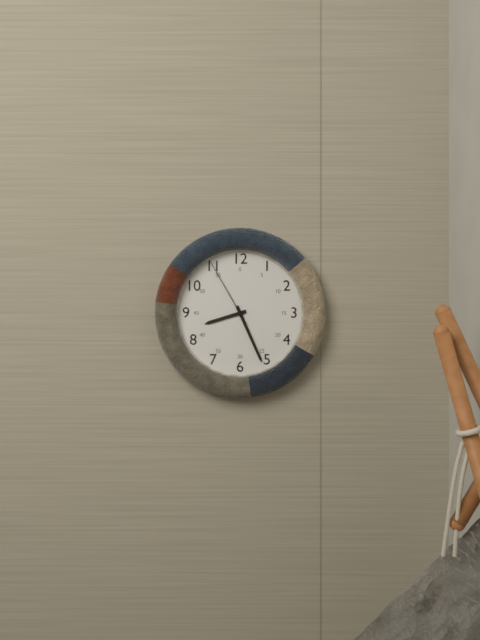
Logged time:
8h26m55s
